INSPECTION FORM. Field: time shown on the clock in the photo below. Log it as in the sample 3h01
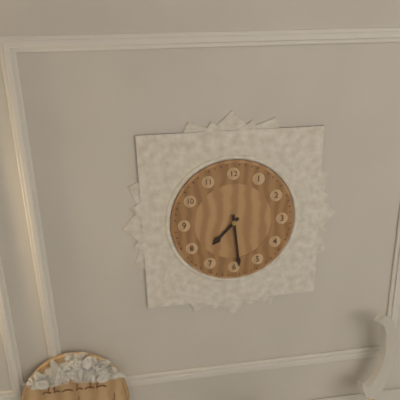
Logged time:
7h29
